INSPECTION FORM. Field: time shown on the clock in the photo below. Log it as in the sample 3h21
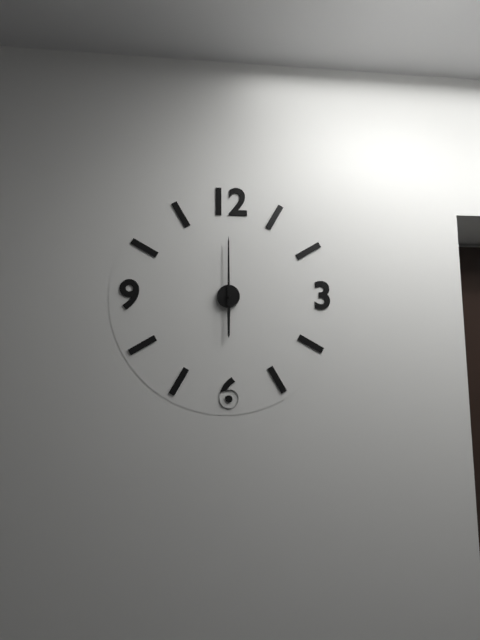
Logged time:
6h00
